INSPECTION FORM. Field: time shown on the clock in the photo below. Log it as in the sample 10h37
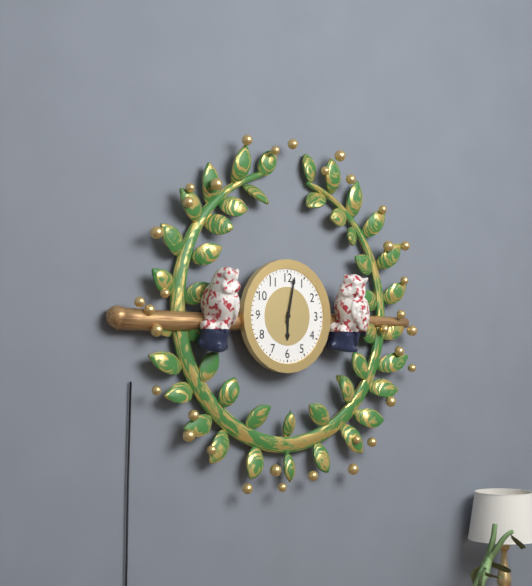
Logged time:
6h02
